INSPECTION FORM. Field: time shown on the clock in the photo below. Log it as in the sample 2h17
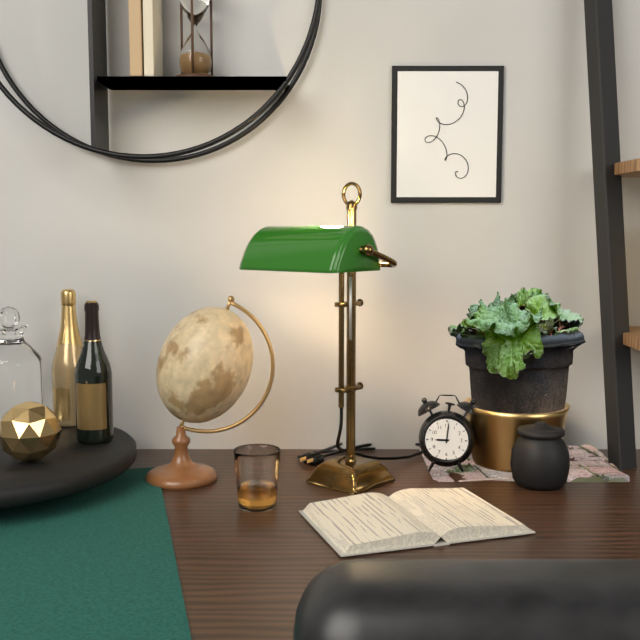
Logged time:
9h01
